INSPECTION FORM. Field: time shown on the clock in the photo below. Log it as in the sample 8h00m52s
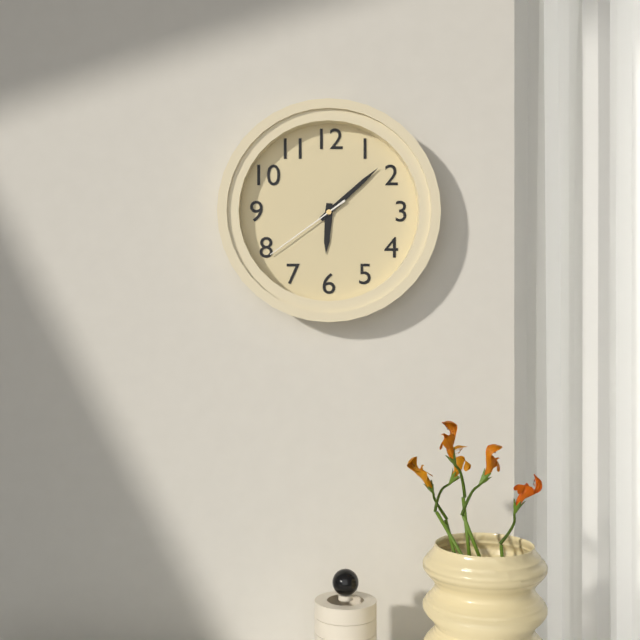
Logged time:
6h08m39s
